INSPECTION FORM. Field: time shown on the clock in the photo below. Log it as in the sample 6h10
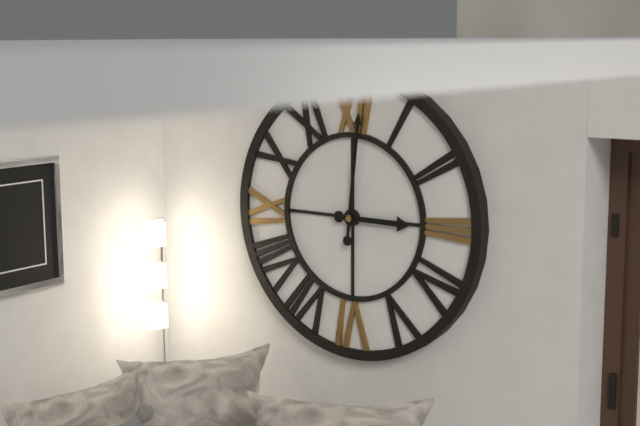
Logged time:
3h01
